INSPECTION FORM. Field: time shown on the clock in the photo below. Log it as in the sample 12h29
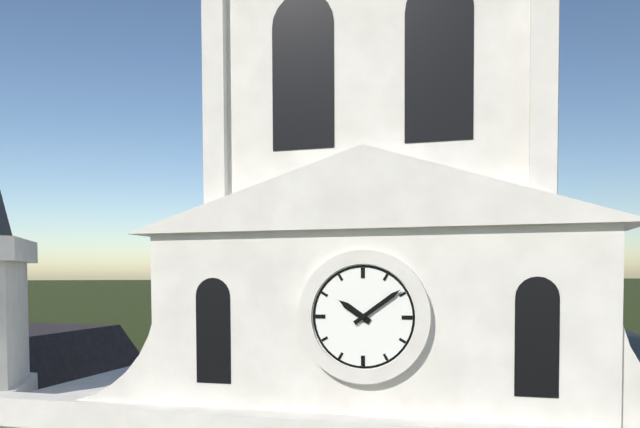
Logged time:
10h09
